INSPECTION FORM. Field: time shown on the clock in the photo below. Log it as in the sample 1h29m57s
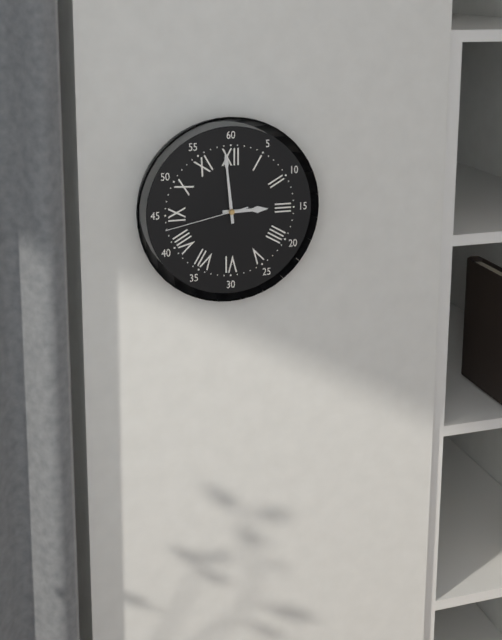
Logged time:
2h59m43s
